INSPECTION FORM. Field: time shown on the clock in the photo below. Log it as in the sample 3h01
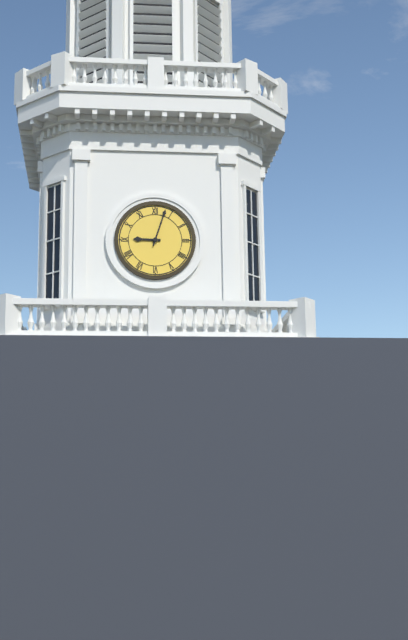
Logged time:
9h03
